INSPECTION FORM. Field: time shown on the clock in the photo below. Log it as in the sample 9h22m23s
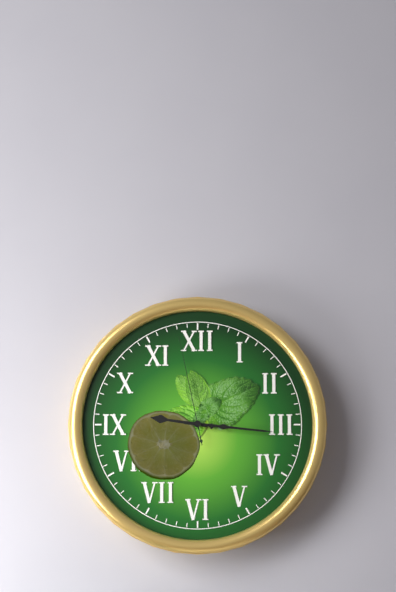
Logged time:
9h16m58s
